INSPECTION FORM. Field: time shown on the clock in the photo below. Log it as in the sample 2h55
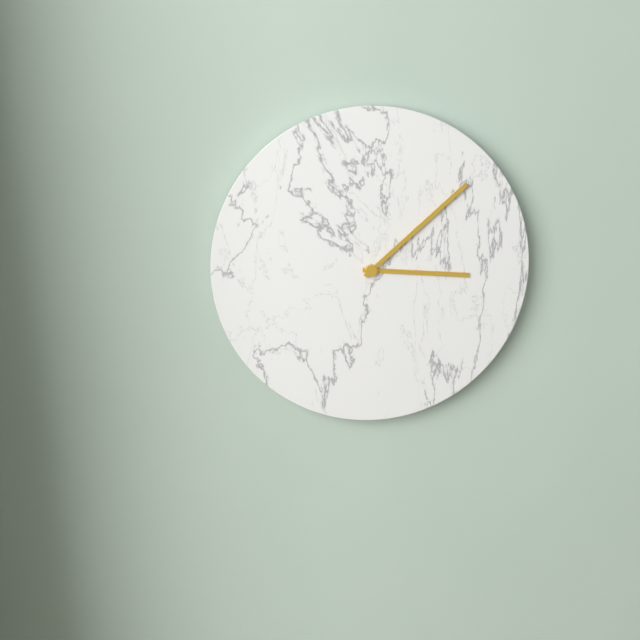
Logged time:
3h08
